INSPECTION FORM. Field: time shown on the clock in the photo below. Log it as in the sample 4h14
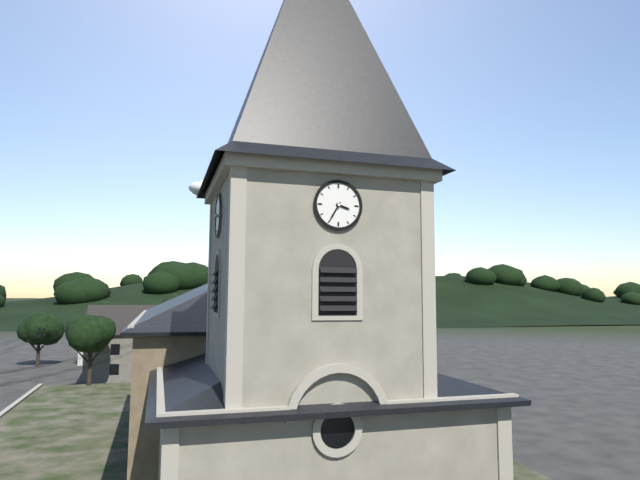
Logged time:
3h35
